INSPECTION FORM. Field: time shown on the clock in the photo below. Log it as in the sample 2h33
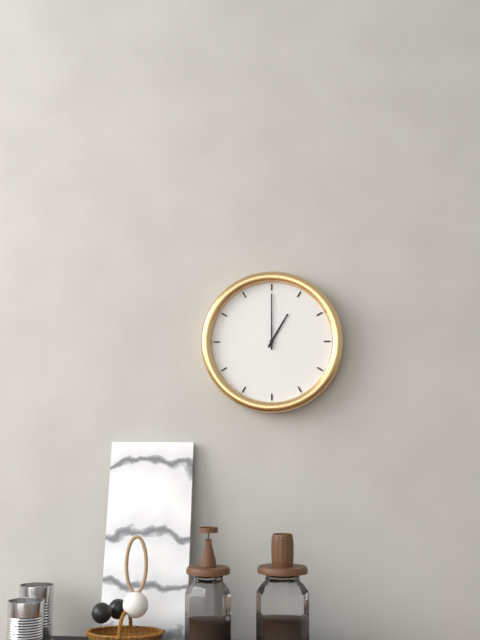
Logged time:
1h00
